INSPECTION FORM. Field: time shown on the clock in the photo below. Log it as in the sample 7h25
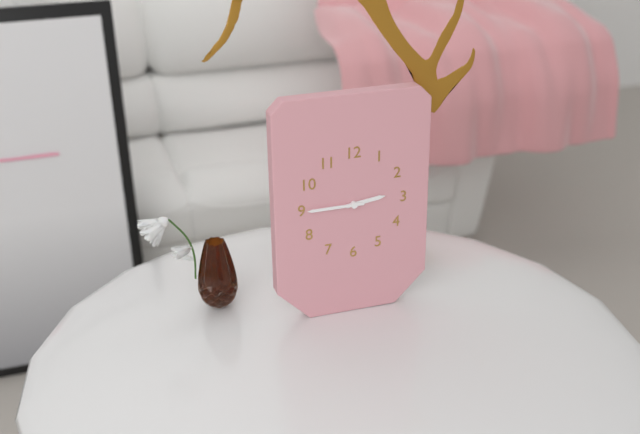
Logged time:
2h45
